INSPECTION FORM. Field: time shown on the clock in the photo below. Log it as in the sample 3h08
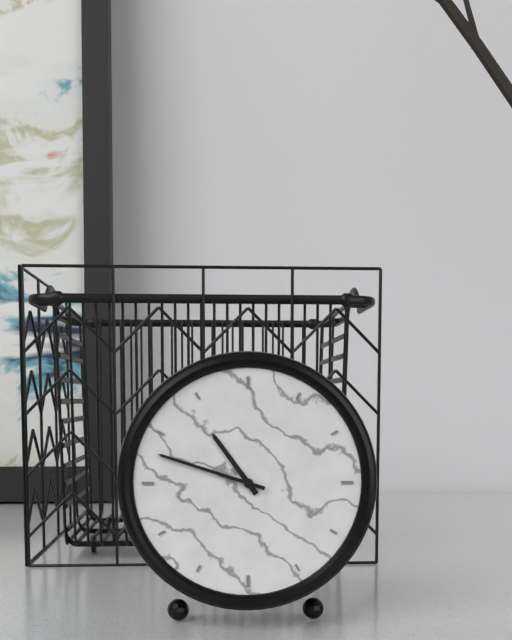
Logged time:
10h48
